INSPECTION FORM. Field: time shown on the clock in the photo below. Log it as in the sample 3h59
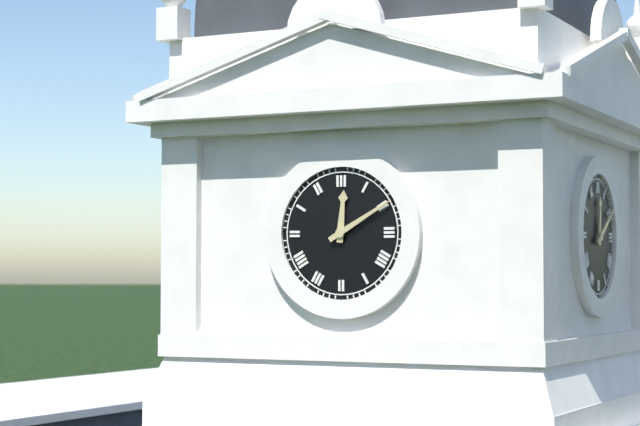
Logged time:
12h10
